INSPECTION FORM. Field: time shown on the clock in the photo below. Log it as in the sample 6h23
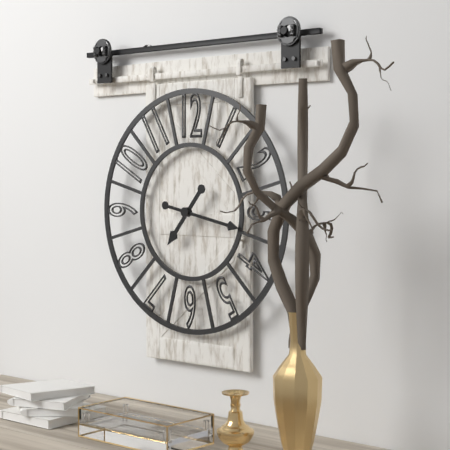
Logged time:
7h17
